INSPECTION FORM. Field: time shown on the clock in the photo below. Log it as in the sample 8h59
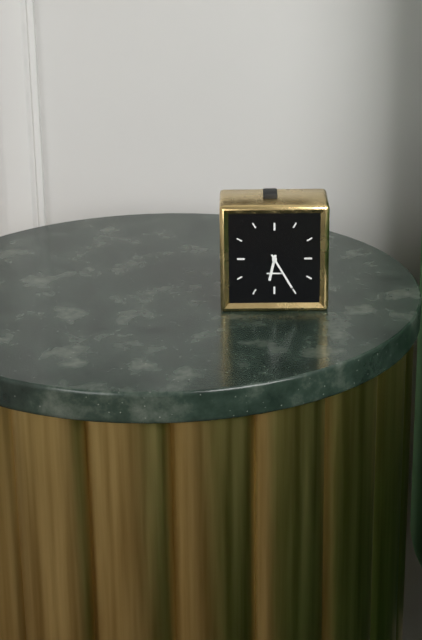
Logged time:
6h25
